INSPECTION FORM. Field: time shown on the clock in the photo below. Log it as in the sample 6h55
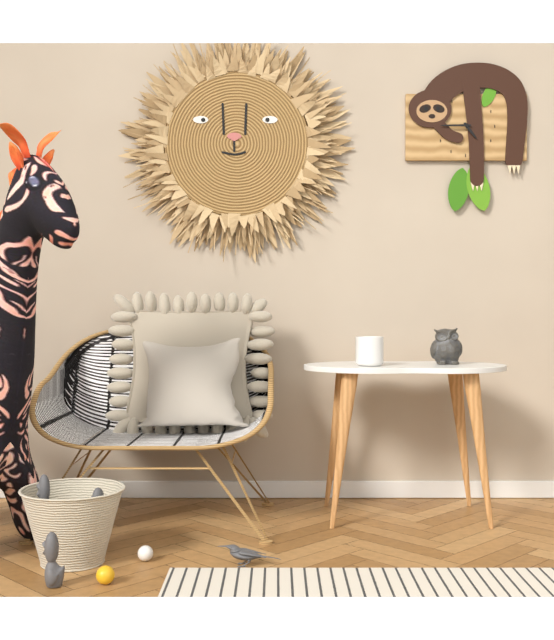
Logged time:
4h45
